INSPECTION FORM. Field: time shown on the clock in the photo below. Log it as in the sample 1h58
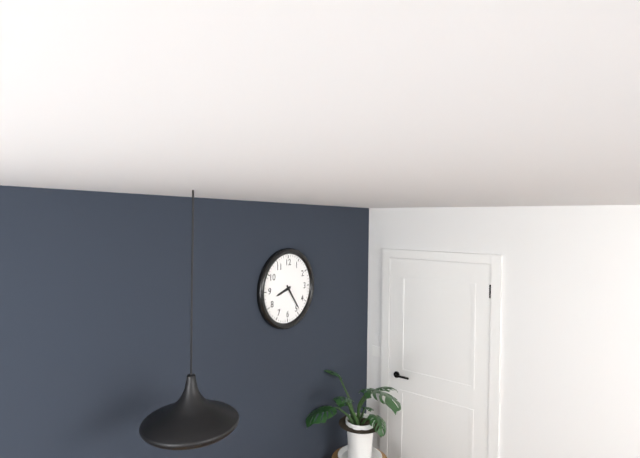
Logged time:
8h24
